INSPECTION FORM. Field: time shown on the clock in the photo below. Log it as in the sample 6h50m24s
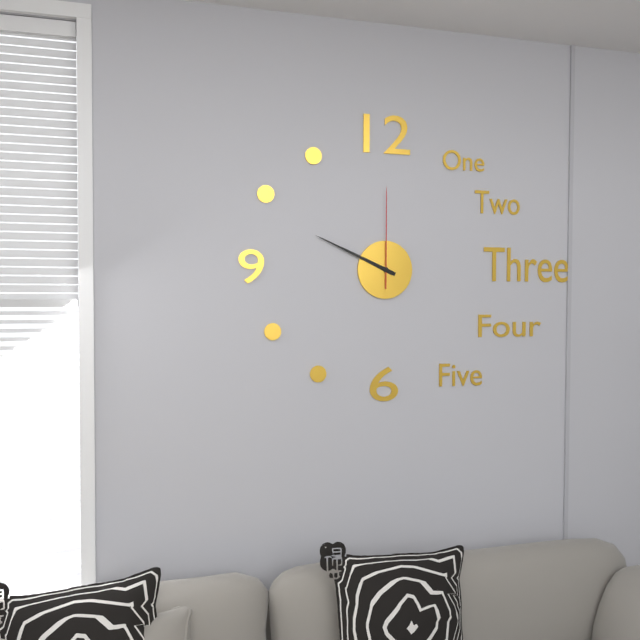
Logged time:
9h49m00s
